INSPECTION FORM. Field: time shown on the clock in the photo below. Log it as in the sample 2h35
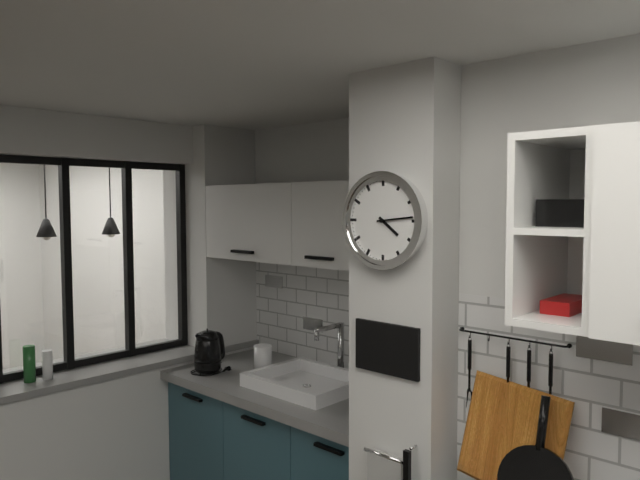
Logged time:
4h14
